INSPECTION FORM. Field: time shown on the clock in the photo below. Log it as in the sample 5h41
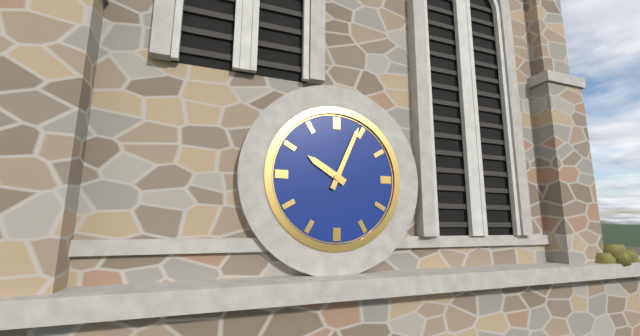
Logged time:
10h04
